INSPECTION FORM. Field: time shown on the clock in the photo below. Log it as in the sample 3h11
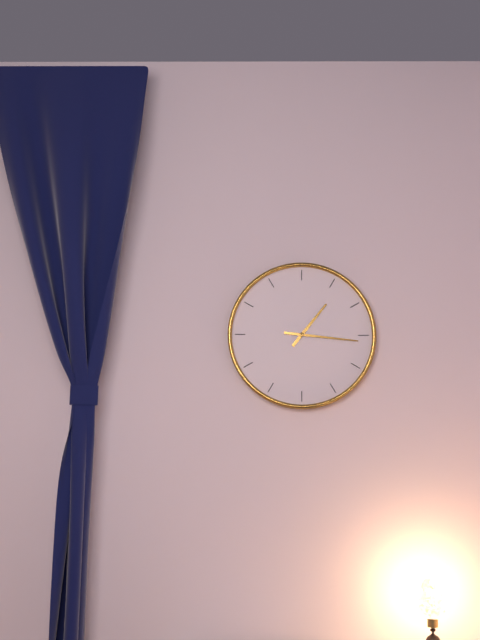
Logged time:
1h16
